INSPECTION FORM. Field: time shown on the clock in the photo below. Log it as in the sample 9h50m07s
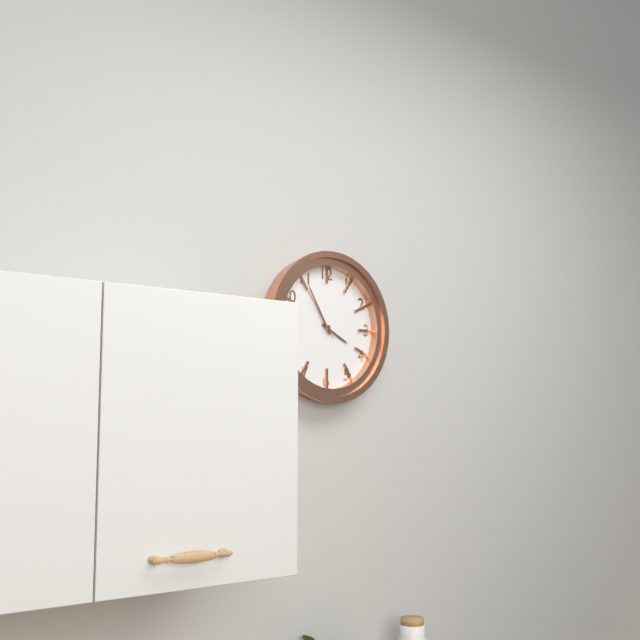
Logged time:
3h55m54s
